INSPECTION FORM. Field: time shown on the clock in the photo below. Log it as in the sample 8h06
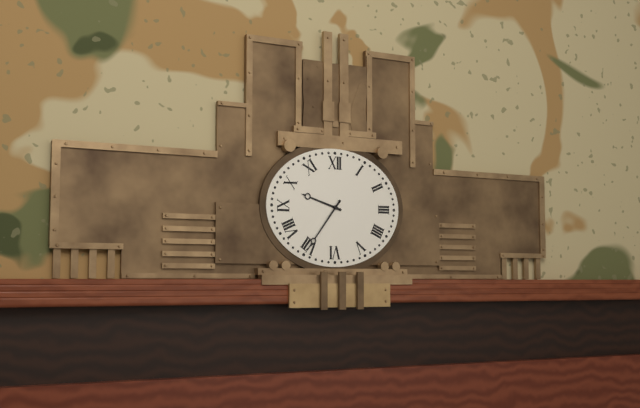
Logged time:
9h36
